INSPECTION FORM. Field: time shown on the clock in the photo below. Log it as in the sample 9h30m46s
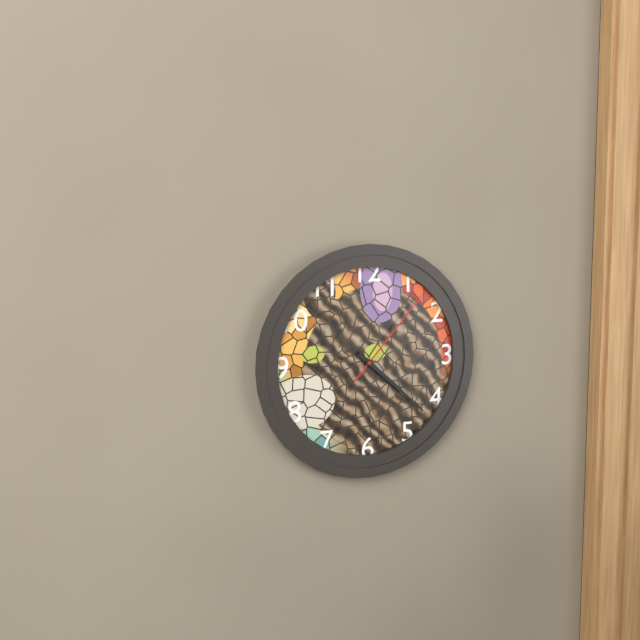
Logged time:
4h22m07s
